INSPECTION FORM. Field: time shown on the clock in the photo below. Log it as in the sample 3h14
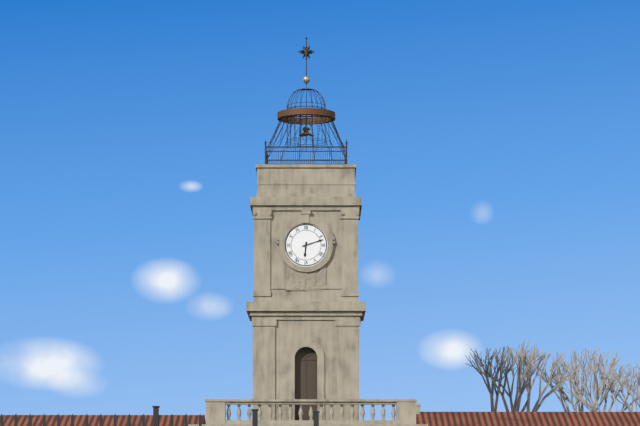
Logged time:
6h12
